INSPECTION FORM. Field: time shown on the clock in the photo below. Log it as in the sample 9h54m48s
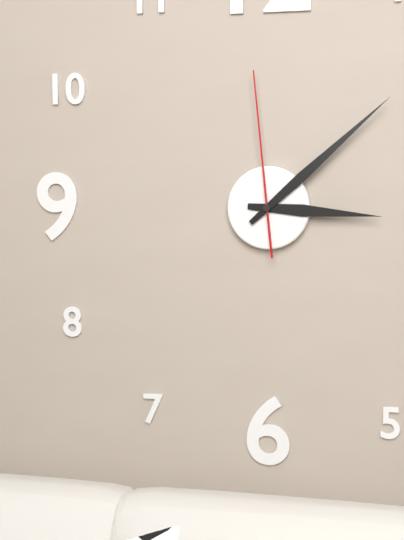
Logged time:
3h08m59s
